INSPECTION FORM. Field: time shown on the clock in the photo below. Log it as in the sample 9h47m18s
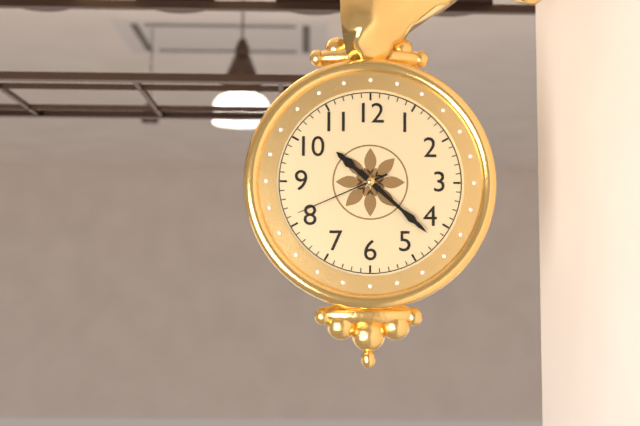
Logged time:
10h22m41s
